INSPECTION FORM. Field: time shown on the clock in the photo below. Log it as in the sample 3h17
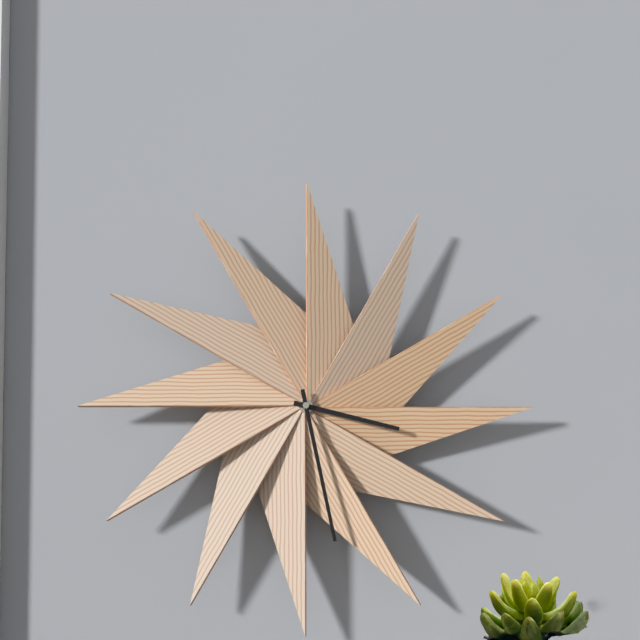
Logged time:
3h28
